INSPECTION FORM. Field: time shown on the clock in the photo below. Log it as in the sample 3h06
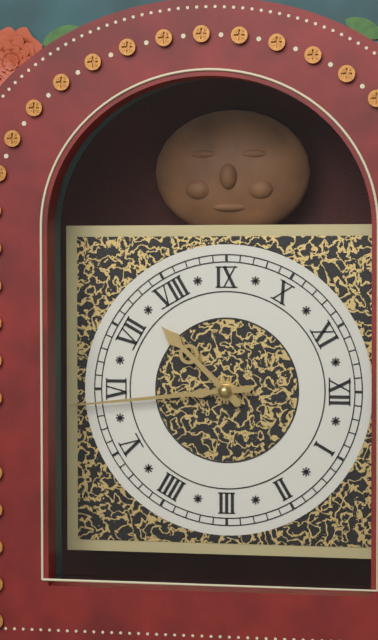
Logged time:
7h29
